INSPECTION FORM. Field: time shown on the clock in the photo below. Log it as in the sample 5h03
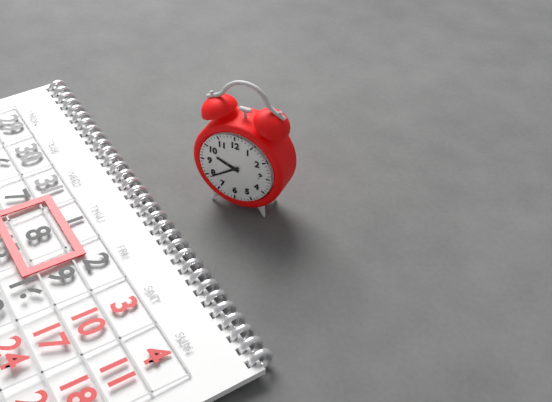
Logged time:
9h39
